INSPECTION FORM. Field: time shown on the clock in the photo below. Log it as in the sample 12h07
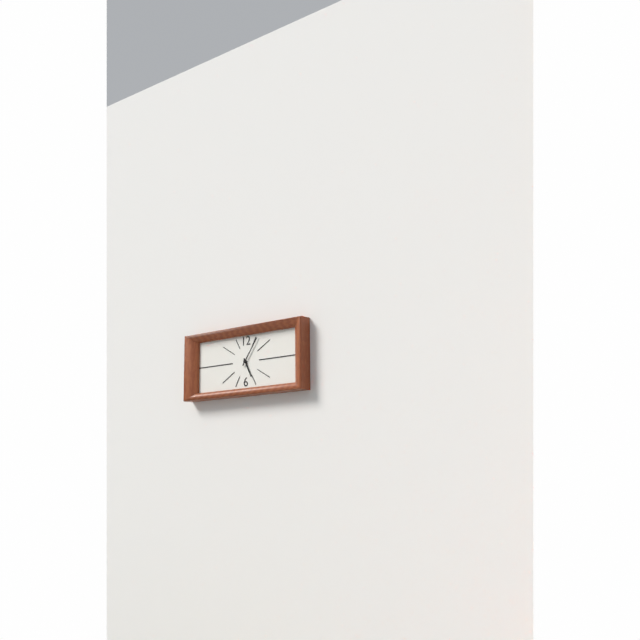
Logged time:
5h06
